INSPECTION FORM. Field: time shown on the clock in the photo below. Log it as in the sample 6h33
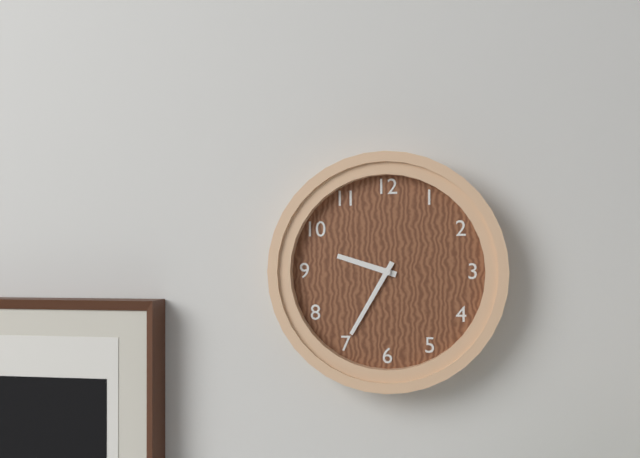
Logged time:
9h35
